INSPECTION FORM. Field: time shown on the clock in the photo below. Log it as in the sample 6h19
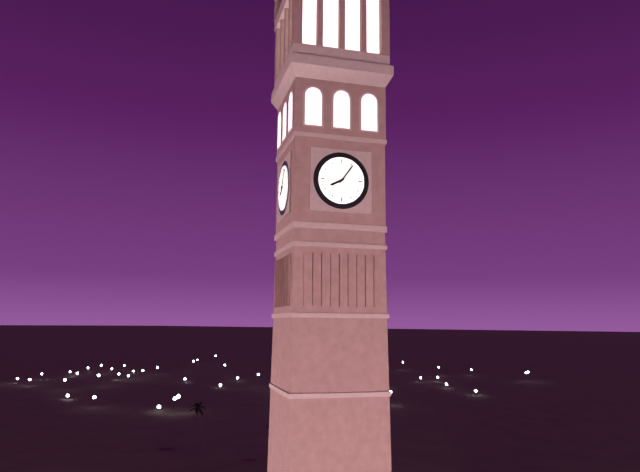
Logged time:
8h06
